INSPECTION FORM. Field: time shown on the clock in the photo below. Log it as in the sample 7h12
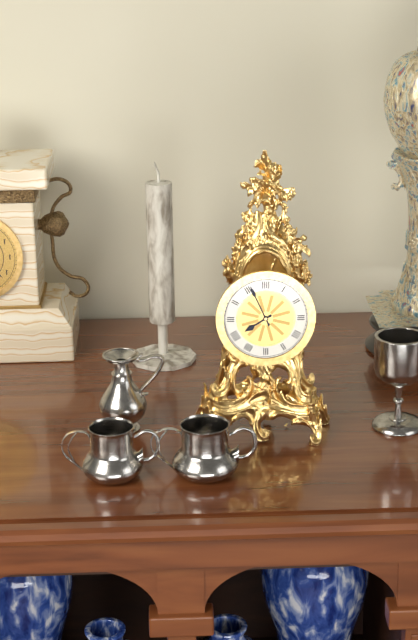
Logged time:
7h56
